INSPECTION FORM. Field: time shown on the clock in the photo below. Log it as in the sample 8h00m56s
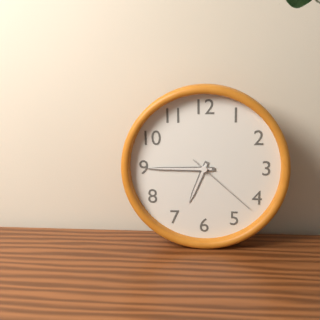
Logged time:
6h45m22s
